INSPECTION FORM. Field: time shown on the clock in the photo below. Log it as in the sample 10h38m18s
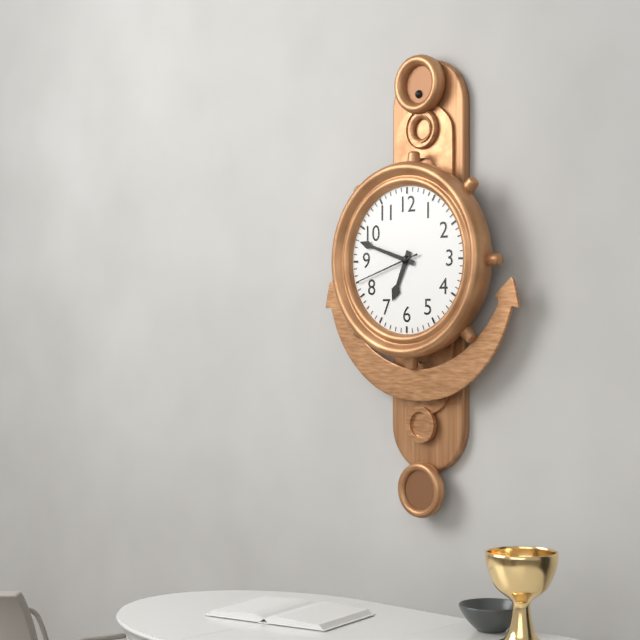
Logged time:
6h48m42s
